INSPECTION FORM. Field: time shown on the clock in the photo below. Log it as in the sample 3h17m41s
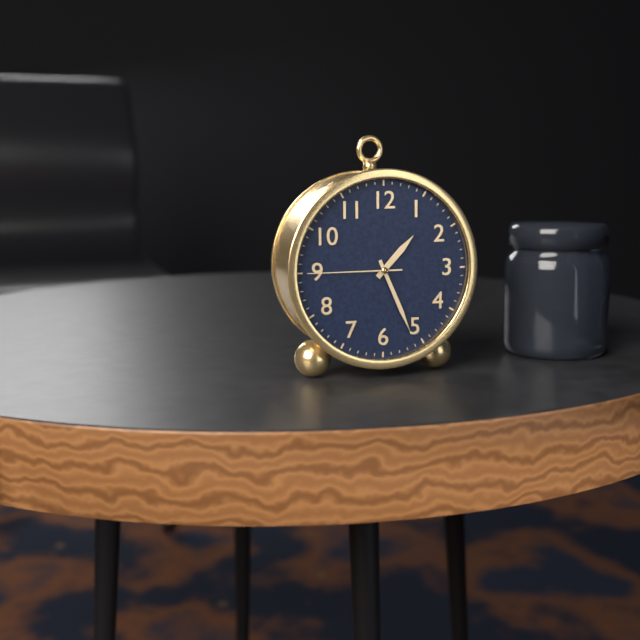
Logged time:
1h26m45s
